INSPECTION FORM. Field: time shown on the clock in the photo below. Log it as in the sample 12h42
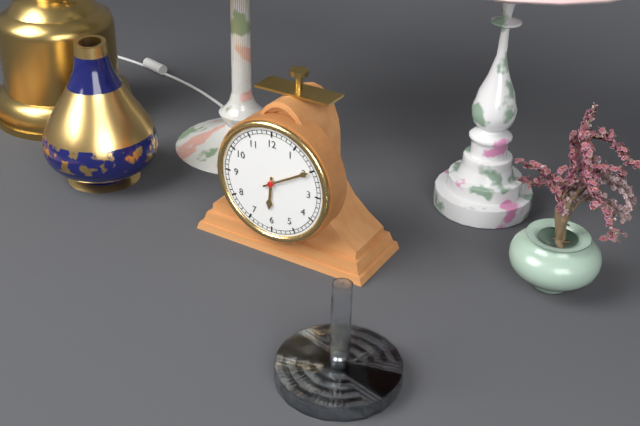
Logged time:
6h10
